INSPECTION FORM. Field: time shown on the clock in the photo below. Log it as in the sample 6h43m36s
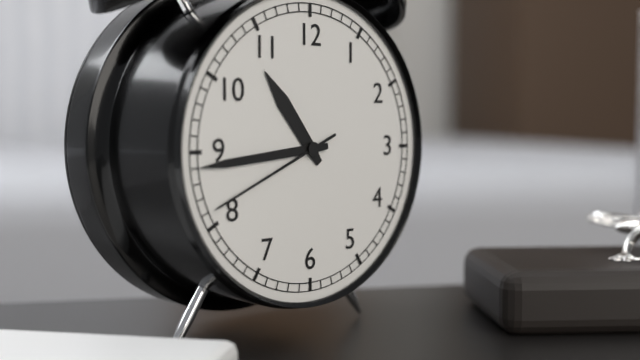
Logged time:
10h44m41s
